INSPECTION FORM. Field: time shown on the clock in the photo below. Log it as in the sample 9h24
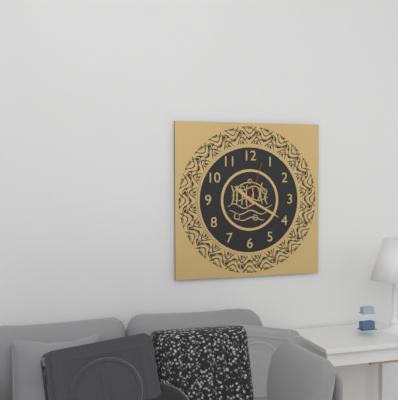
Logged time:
10h20
